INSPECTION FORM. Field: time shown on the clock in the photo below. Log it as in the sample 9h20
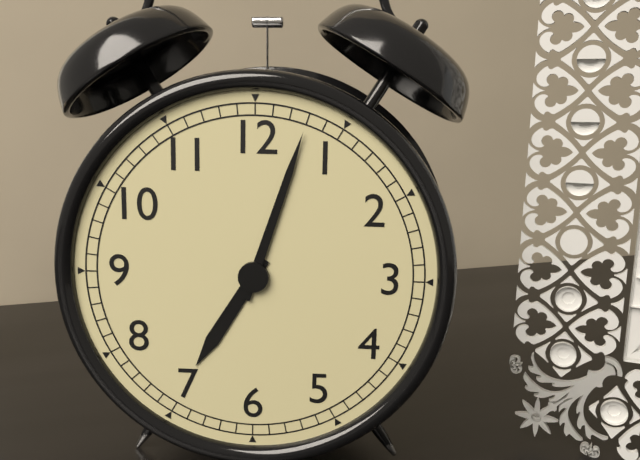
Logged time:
7h03
